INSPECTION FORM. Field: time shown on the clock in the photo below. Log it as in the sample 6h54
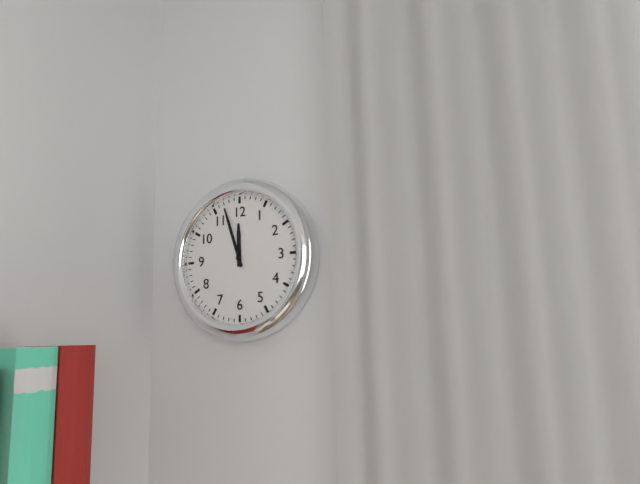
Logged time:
11h57
